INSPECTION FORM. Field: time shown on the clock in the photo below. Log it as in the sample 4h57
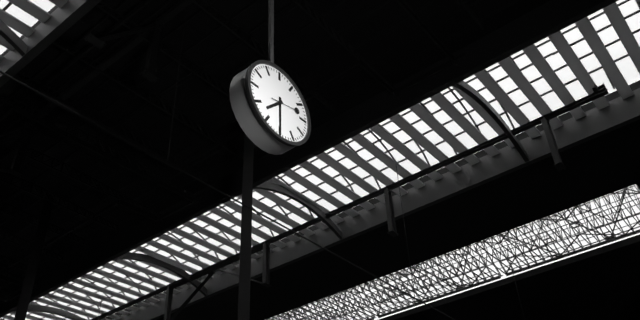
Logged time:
7h30
